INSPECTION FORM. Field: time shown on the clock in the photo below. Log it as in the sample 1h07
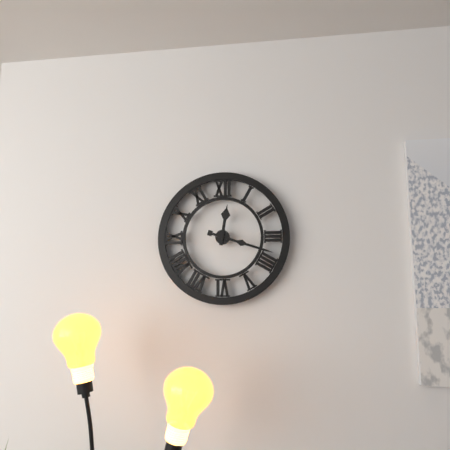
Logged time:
12h18
